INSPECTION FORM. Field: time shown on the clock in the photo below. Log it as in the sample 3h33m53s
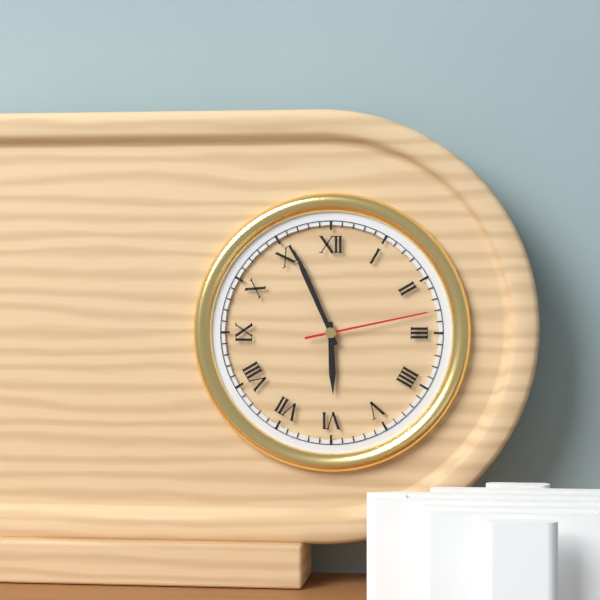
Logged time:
5h56m13s
